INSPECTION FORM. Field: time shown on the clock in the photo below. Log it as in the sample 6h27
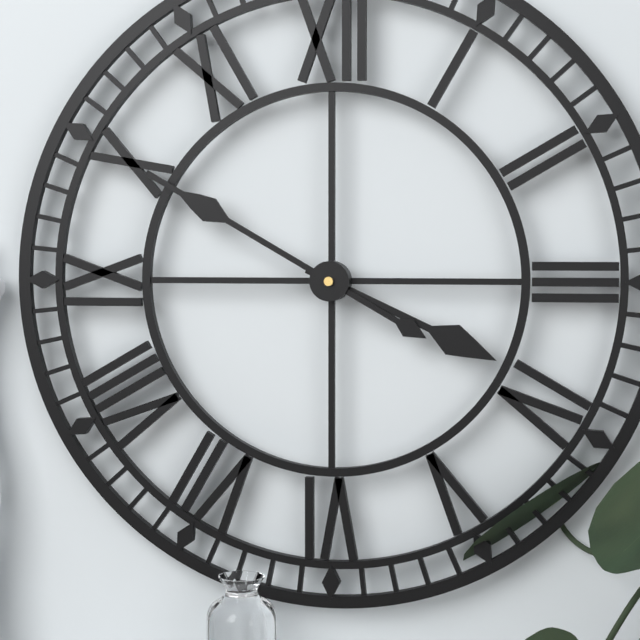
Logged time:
3h50
